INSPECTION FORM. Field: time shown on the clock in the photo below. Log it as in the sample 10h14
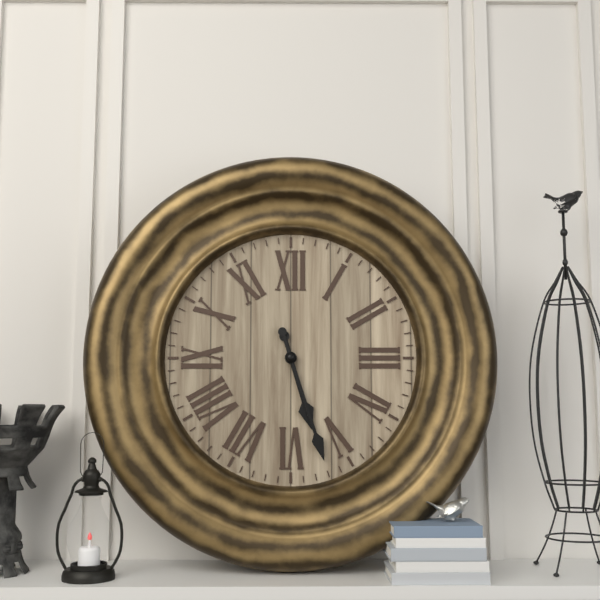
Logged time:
5h27
